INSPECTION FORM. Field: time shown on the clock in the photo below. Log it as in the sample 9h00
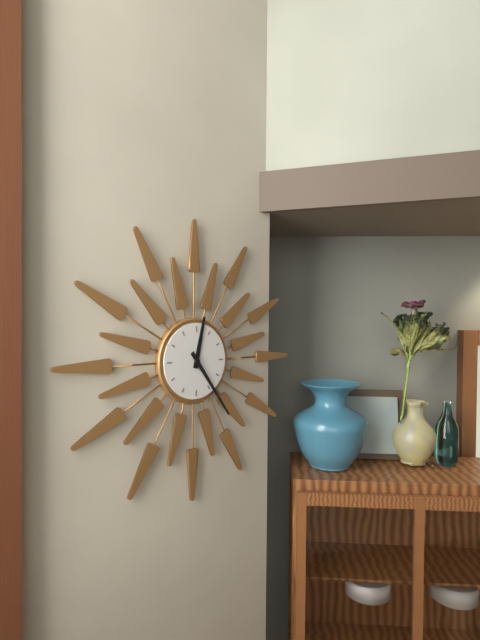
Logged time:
12h24
